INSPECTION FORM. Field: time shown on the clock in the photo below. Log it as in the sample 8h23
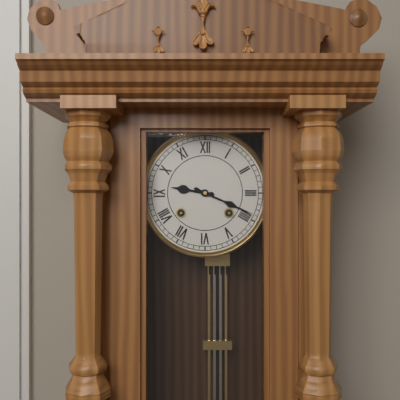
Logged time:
9h19
